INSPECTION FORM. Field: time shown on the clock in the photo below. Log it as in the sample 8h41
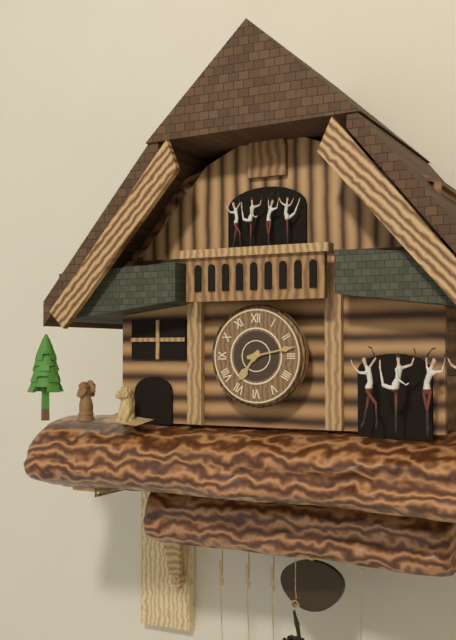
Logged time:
7h13
